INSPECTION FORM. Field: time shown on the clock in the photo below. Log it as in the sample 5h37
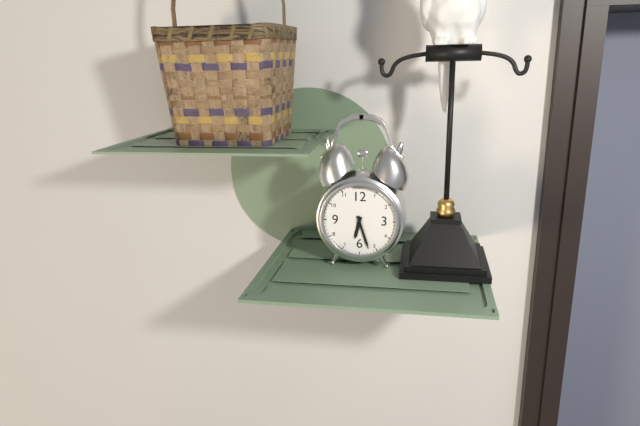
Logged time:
6h27
